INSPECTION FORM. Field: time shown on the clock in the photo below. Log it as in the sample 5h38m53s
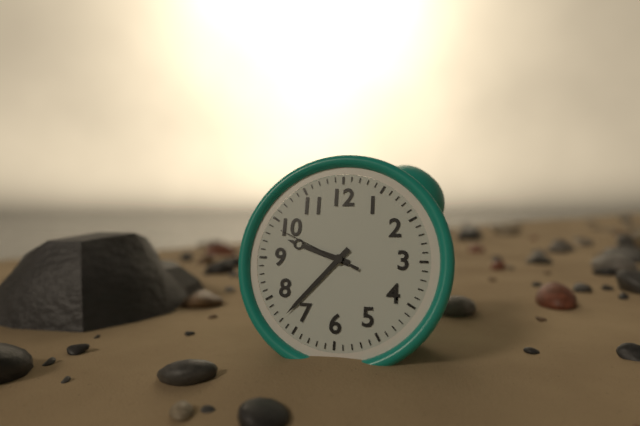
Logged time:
9h37m49s
